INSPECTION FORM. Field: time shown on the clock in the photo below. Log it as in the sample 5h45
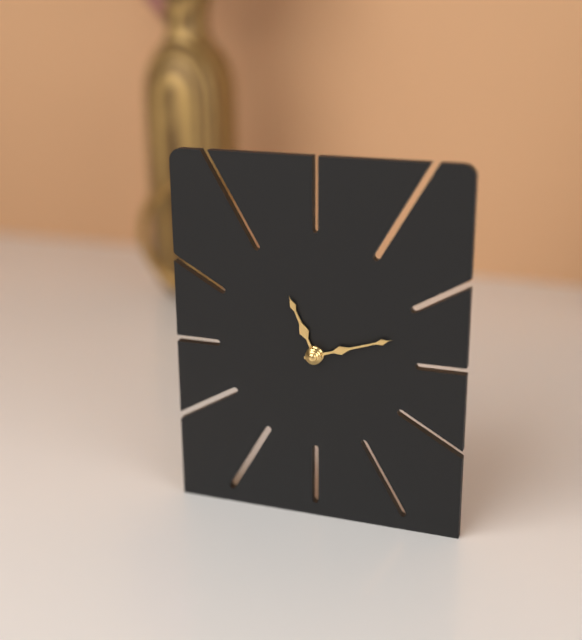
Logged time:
11h12
